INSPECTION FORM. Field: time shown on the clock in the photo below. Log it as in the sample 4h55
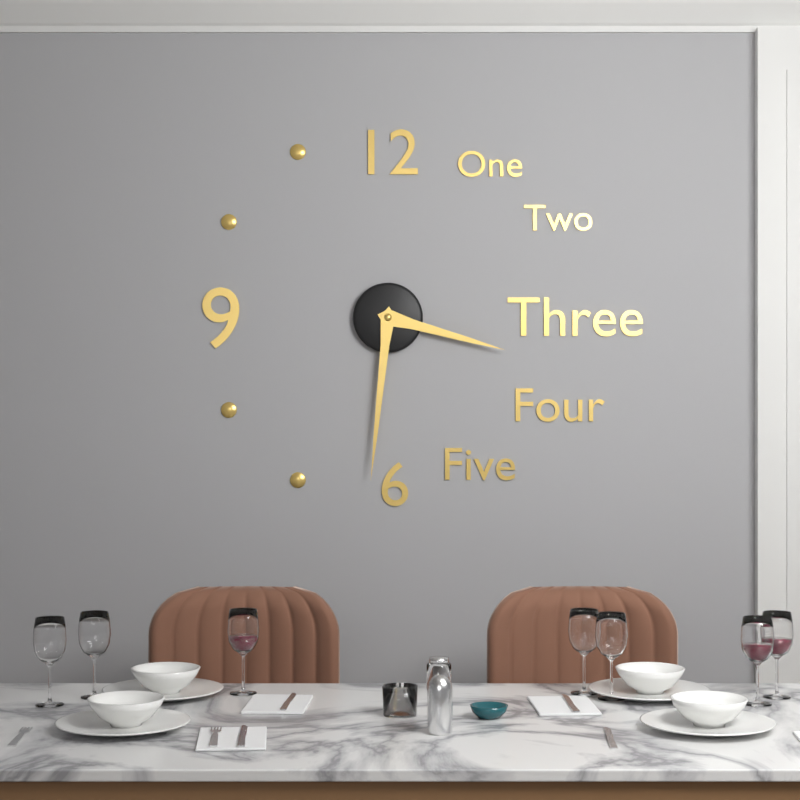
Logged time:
3h31
